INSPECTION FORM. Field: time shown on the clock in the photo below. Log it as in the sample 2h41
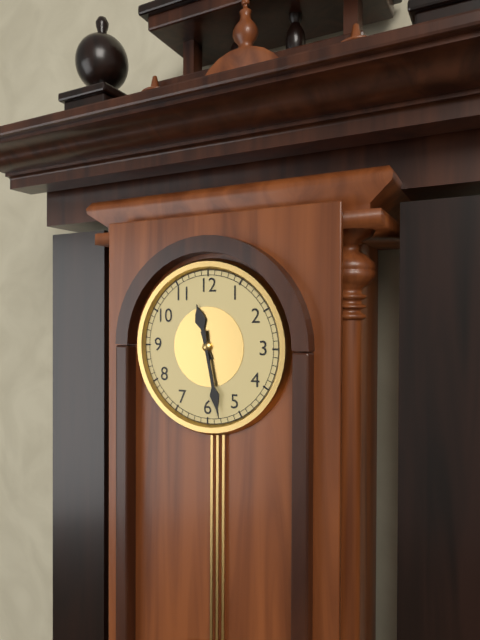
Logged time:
11h28
